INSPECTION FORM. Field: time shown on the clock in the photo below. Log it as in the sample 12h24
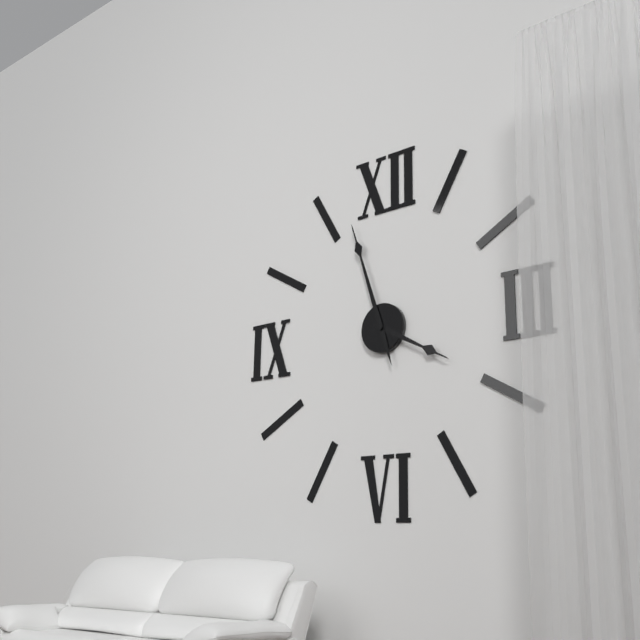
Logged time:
3h57
